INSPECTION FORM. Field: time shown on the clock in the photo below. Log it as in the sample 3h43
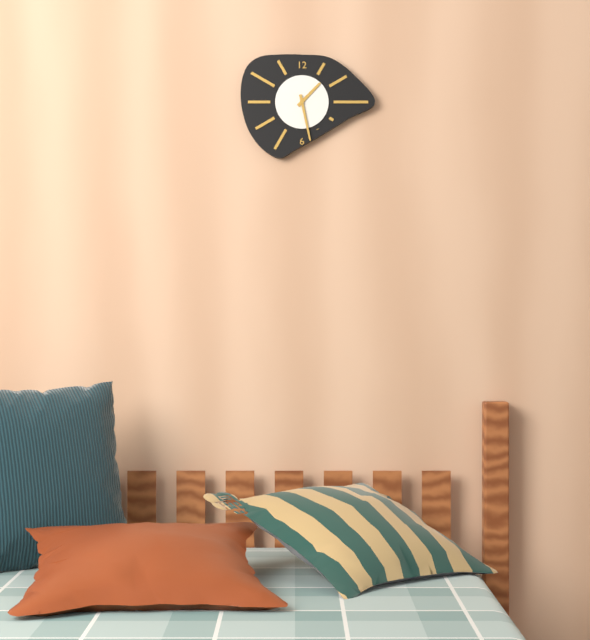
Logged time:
1h28
